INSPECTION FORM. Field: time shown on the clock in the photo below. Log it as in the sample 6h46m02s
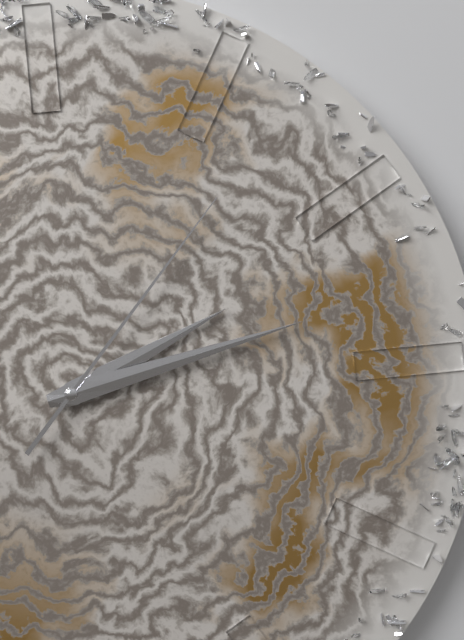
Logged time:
2h13m07s
